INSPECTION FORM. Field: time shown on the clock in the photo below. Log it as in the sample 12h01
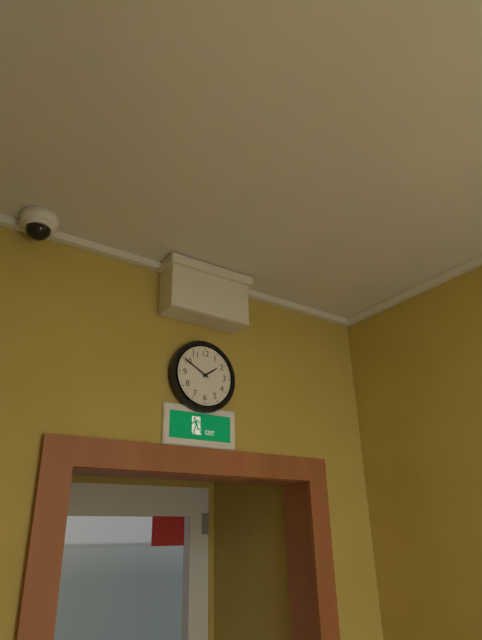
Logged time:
1h50
